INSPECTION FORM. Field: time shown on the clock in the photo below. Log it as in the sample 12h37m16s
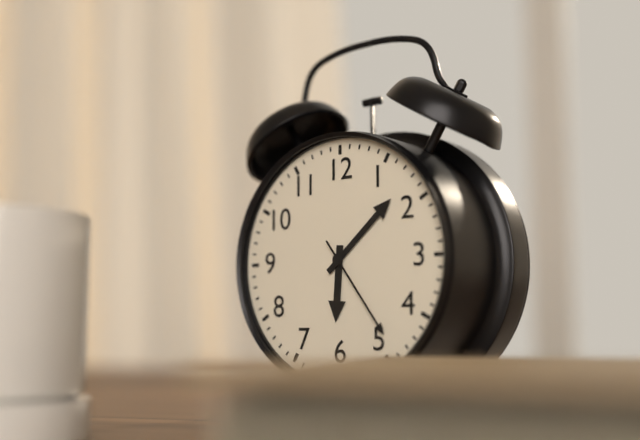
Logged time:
6h08m24s
